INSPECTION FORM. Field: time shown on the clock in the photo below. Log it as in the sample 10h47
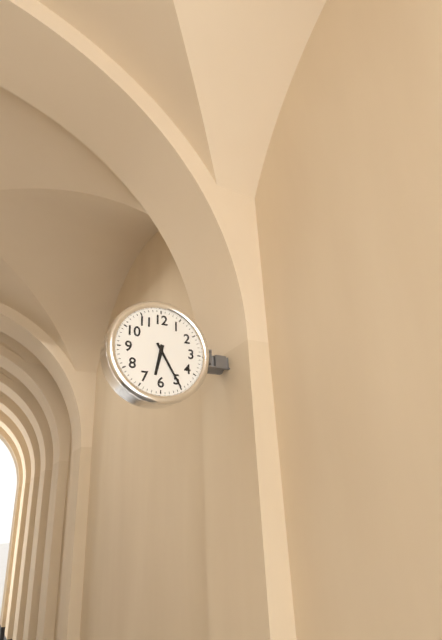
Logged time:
6h25
